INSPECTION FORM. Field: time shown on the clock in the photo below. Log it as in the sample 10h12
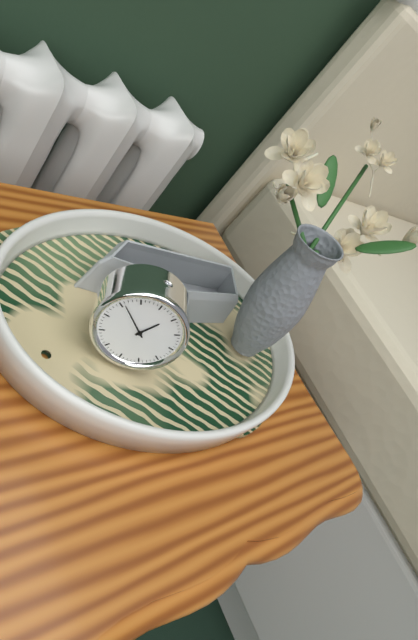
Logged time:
12h51
